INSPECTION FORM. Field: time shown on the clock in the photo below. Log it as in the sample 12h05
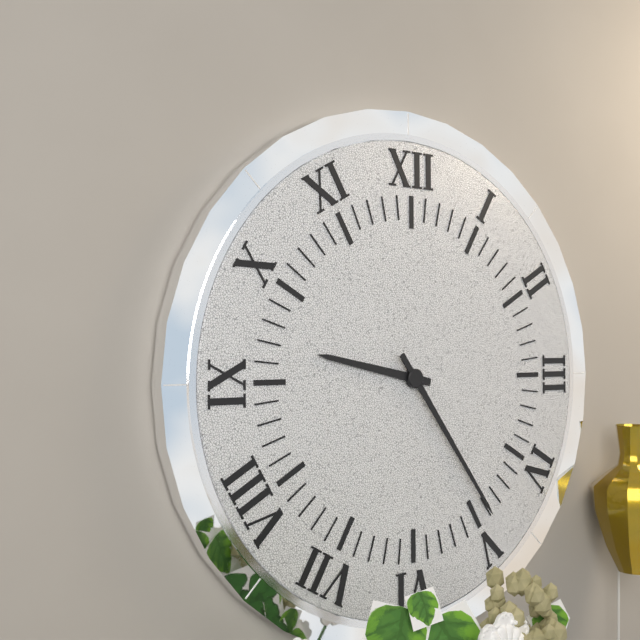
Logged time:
9h24
